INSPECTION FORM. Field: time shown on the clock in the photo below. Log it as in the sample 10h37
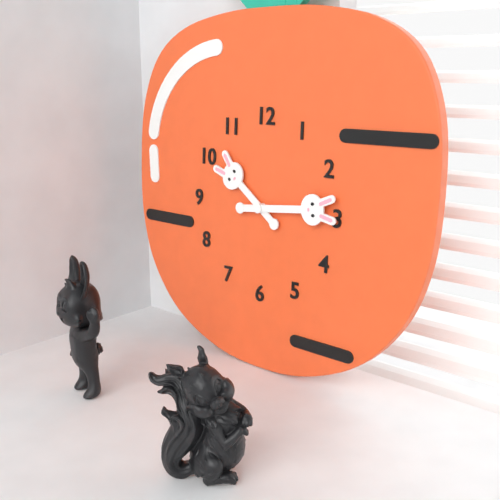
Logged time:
10h14
